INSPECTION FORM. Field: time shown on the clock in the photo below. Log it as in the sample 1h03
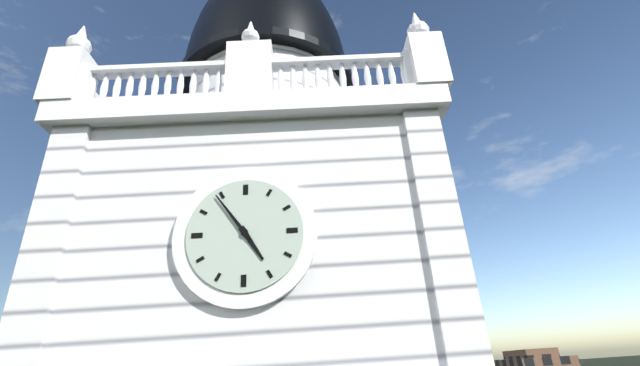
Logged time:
4h54
